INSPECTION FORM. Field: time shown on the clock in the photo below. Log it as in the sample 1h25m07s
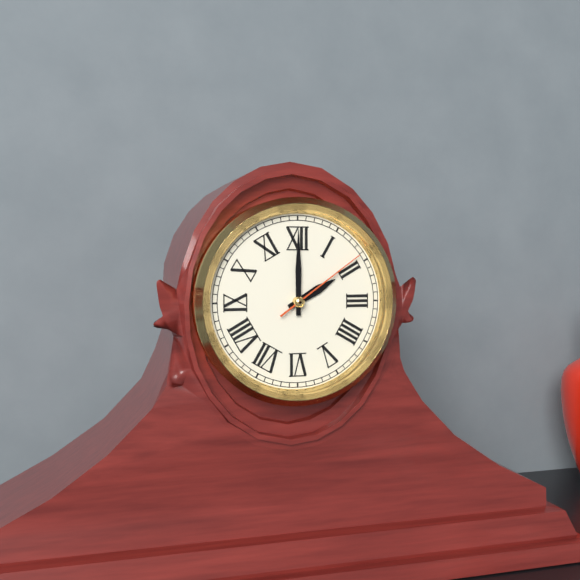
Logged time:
2h00m09s
